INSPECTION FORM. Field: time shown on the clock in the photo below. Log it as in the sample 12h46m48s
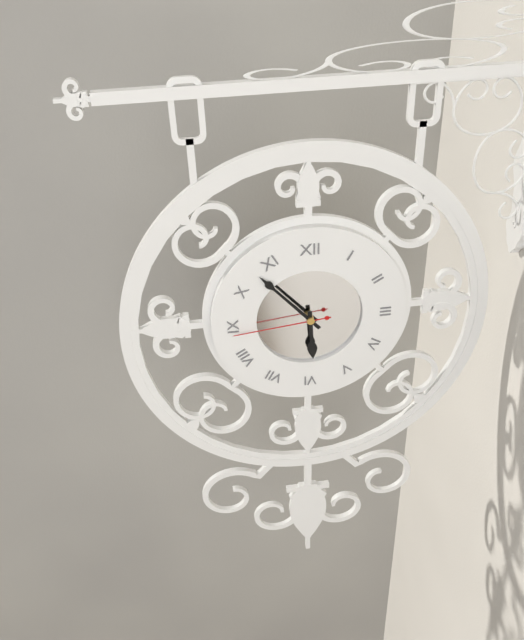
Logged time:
5h53m44s
